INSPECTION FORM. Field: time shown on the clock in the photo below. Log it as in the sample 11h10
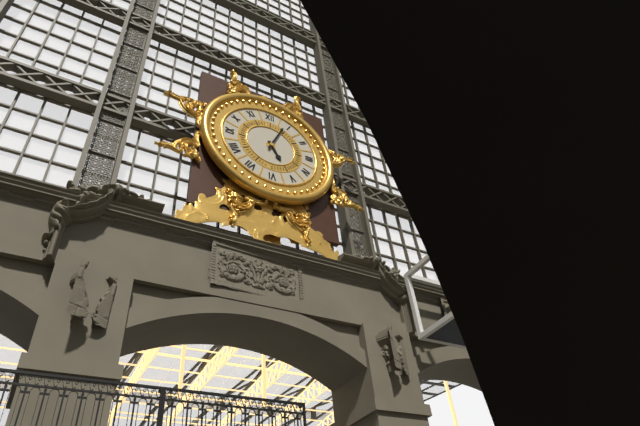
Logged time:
5h04
